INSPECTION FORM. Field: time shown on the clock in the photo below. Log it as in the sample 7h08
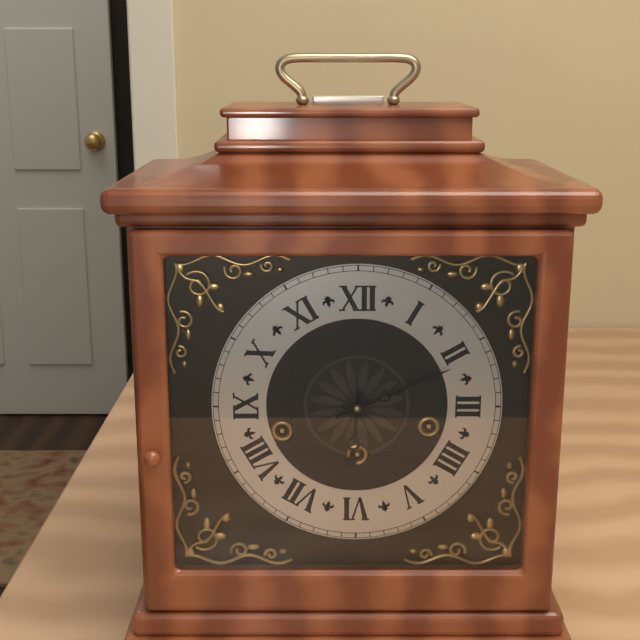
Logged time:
6h11
